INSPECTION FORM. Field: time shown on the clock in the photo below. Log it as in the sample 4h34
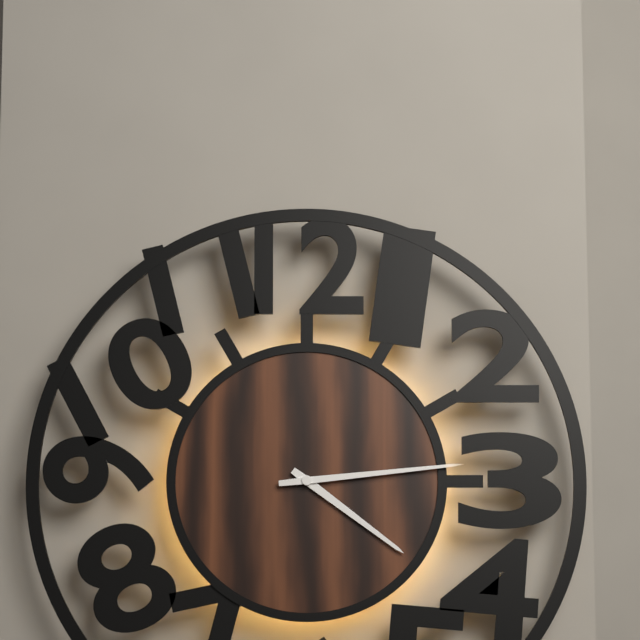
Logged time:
4h14
